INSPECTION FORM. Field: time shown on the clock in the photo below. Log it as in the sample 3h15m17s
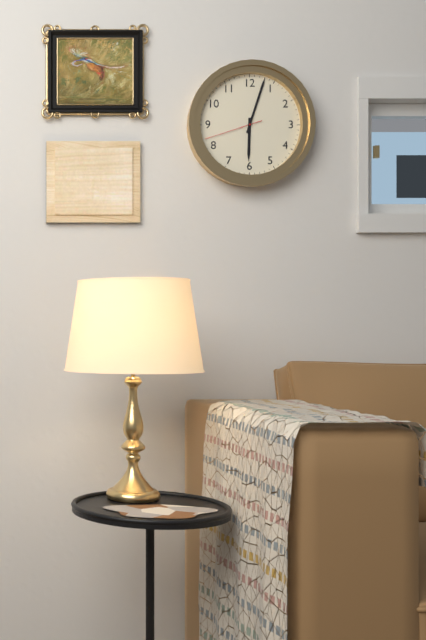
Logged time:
6h03m42s
